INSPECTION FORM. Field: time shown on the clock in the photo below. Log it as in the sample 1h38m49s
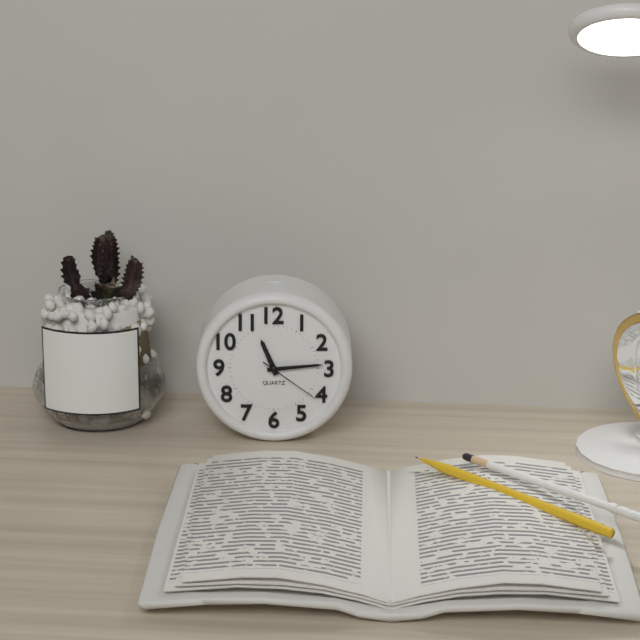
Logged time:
11h14m21s
